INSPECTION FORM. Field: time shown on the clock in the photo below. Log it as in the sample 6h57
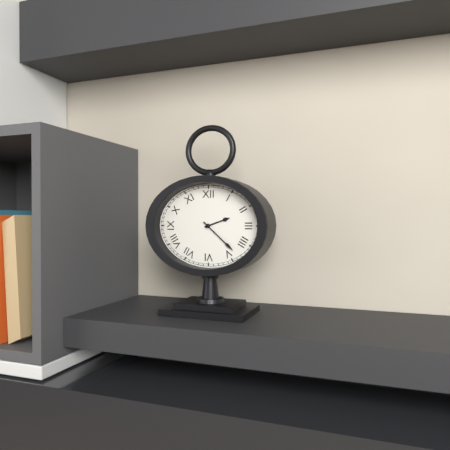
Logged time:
2h22
